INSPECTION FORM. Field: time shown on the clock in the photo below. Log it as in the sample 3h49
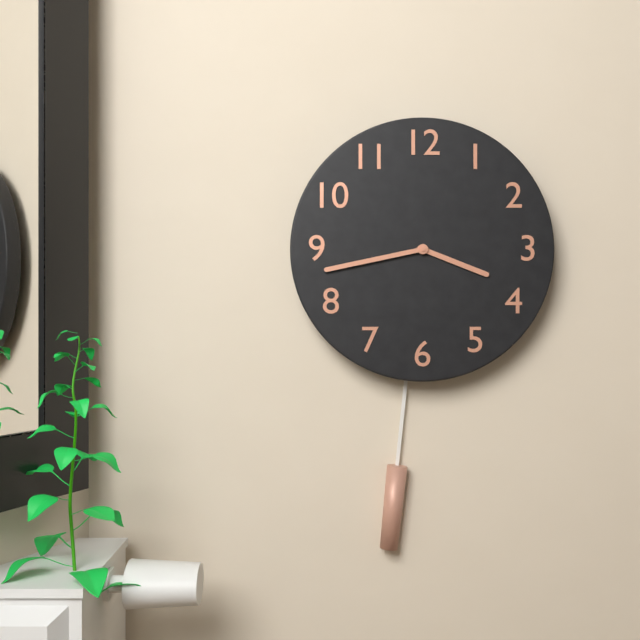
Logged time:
3h43
